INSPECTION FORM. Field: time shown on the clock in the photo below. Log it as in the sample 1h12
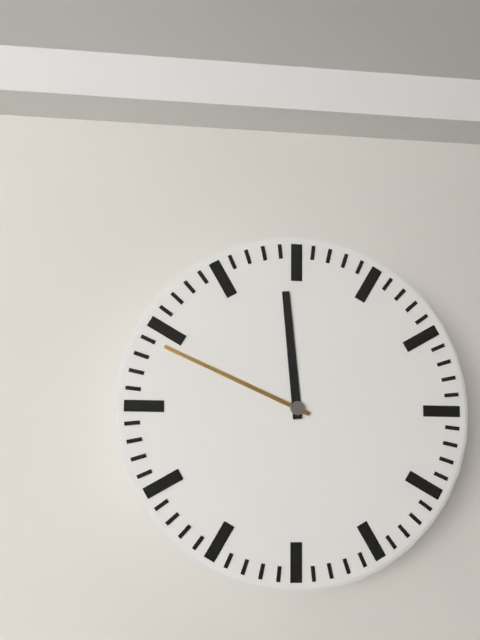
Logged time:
11h49
